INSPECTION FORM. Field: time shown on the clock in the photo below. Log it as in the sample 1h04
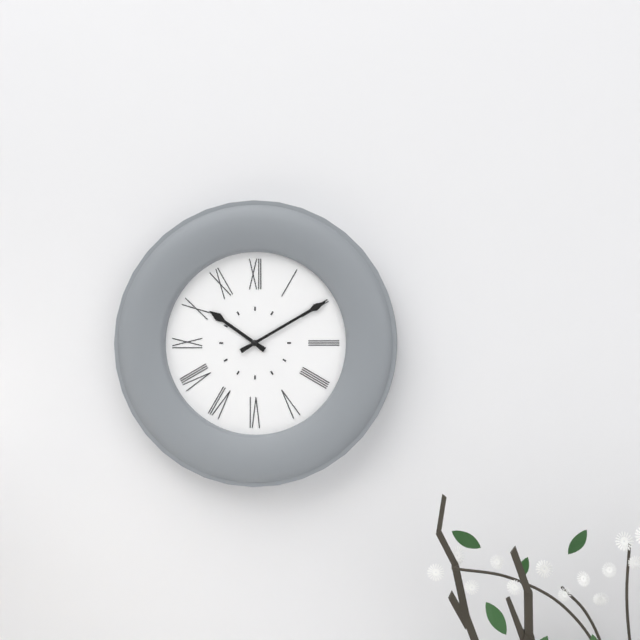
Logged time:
10h10
